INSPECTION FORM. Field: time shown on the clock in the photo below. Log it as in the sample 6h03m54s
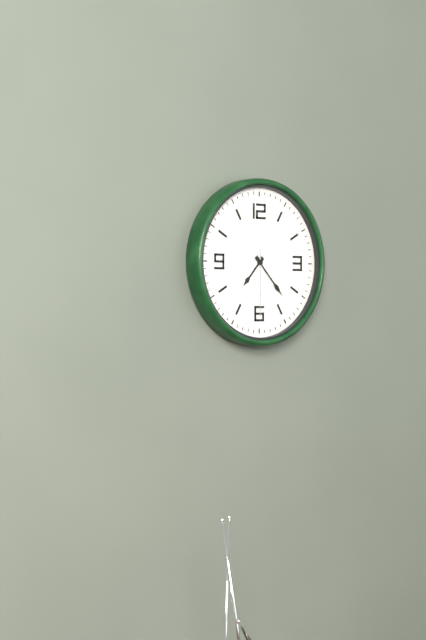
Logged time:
7h23m30s
